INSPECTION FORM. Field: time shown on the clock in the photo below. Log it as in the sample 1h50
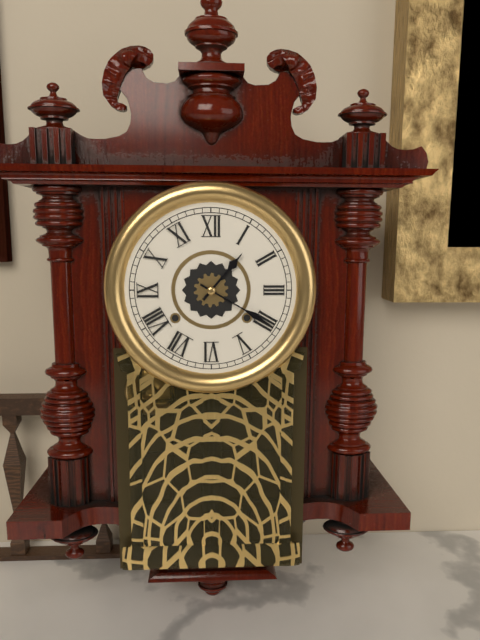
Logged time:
1h20
